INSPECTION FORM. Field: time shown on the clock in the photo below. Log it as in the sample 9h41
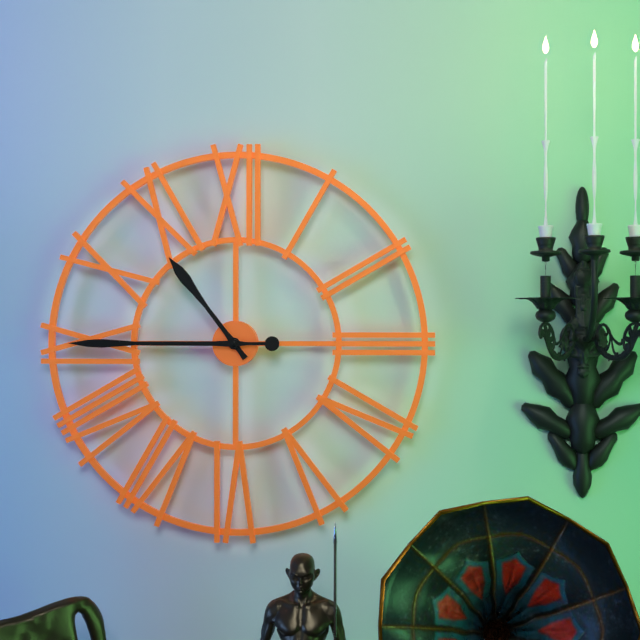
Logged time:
10h45
